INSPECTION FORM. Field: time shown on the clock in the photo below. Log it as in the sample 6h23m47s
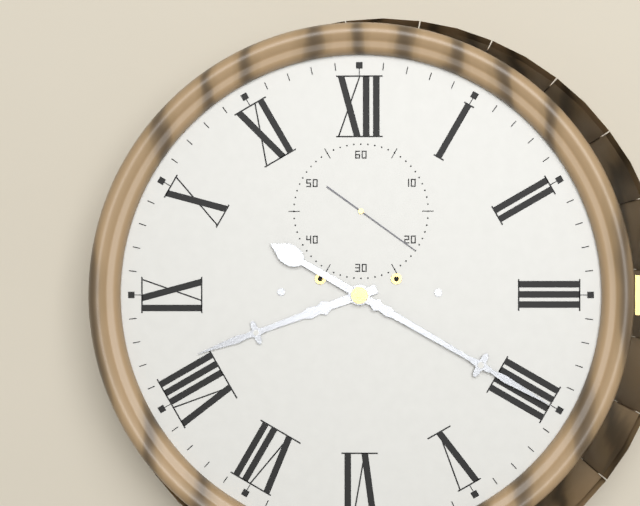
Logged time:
8h20m21s
